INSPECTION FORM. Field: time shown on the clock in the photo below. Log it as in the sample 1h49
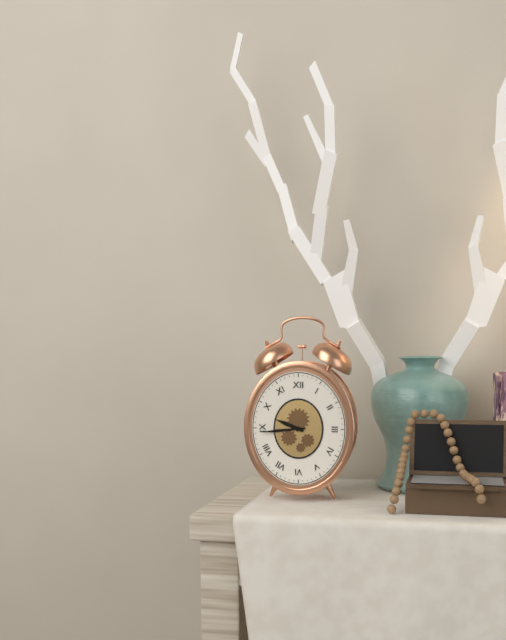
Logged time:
9h44
